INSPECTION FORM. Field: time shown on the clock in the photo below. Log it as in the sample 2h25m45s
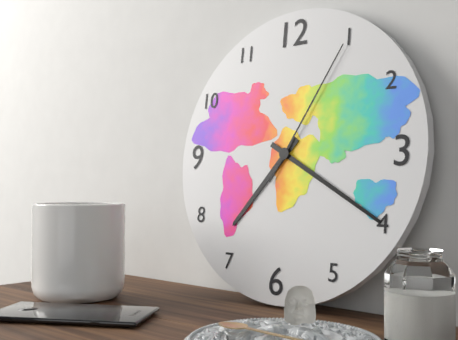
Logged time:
7h20m05s
